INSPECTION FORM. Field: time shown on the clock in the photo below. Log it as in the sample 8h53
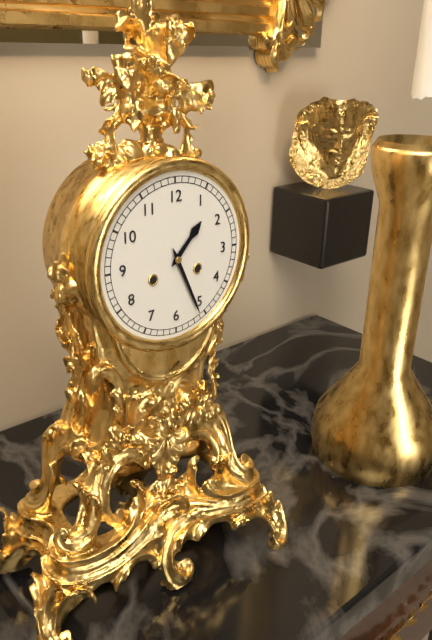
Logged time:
1h26
